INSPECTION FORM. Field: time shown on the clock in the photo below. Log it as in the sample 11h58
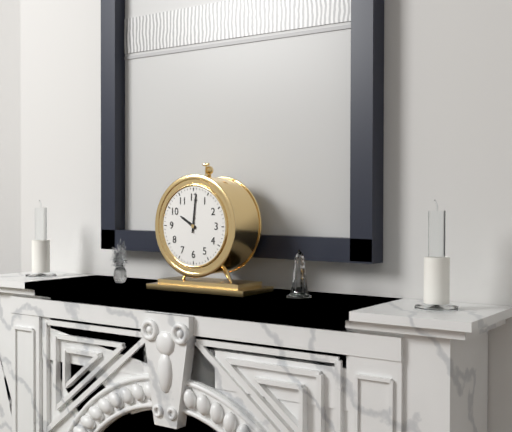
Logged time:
10h01
